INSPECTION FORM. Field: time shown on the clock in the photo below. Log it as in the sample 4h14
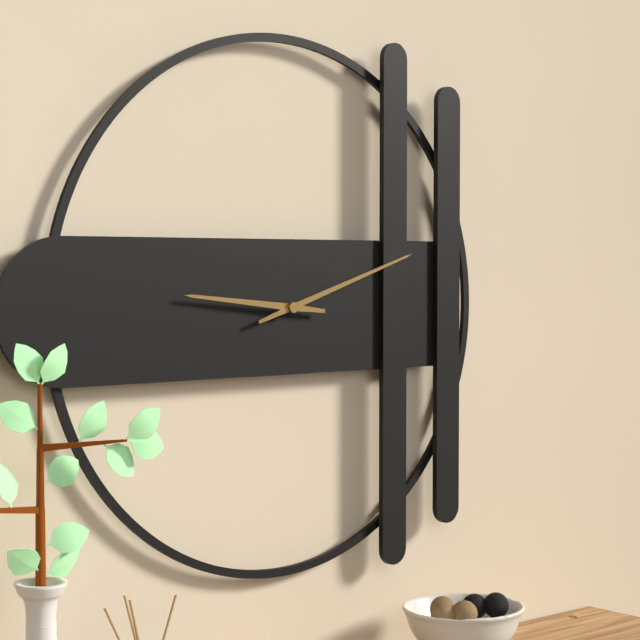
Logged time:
9h12
